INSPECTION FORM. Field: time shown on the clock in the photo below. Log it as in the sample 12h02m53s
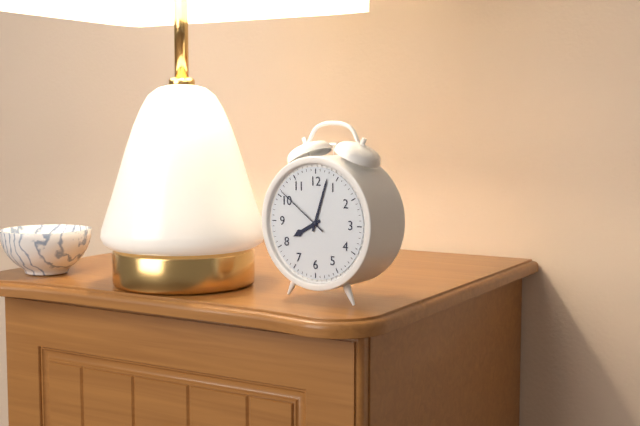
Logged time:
8h03m51s
